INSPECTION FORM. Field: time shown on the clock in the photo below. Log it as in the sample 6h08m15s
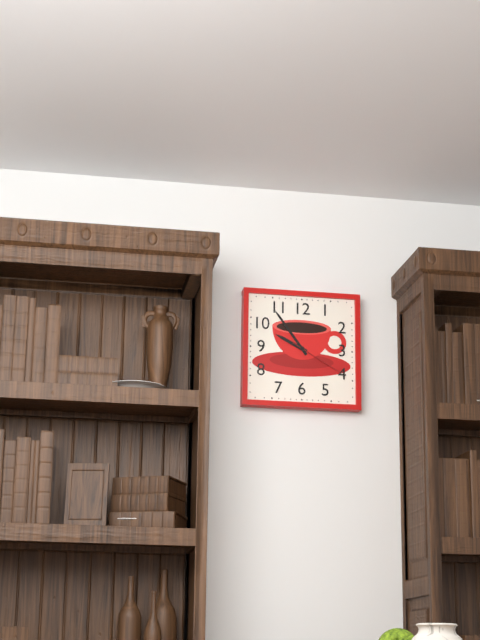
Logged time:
9h54m20s
